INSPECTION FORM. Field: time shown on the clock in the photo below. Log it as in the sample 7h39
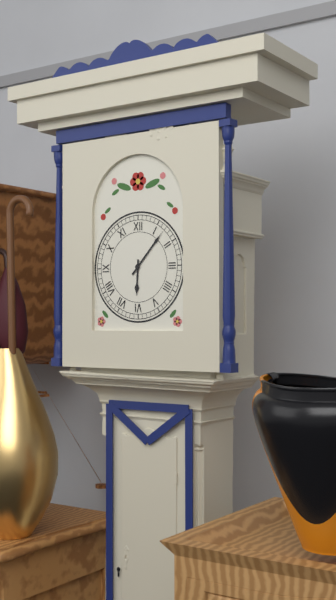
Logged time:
6h07
